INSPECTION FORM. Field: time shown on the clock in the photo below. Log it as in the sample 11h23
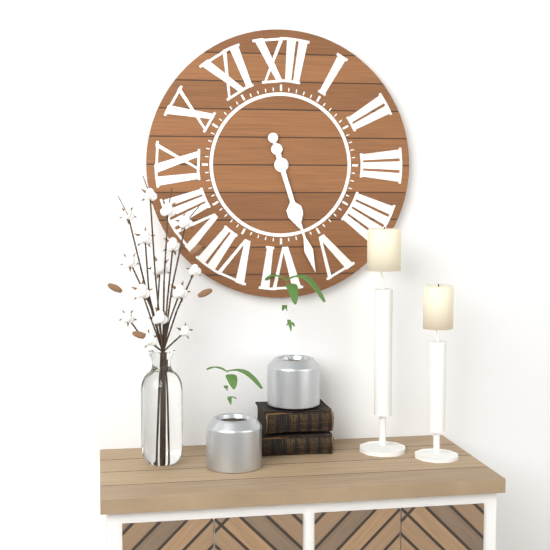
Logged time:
5h27
